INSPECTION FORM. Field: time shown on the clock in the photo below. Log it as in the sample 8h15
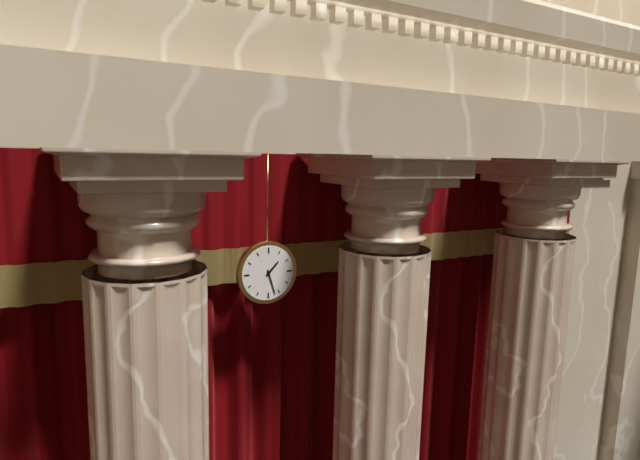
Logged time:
1h27
